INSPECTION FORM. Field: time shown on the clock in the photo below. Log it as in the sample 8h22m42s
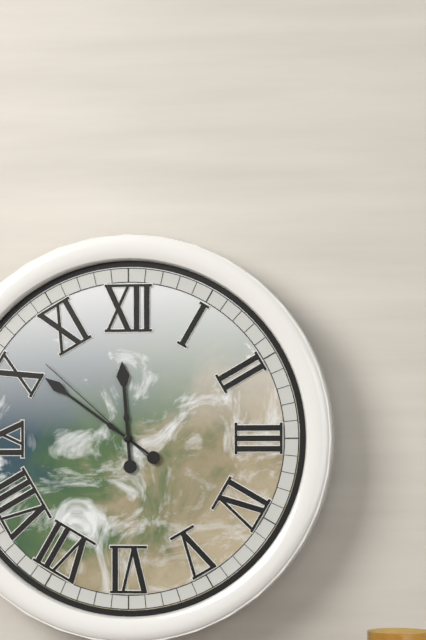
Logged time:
11h51m52s
